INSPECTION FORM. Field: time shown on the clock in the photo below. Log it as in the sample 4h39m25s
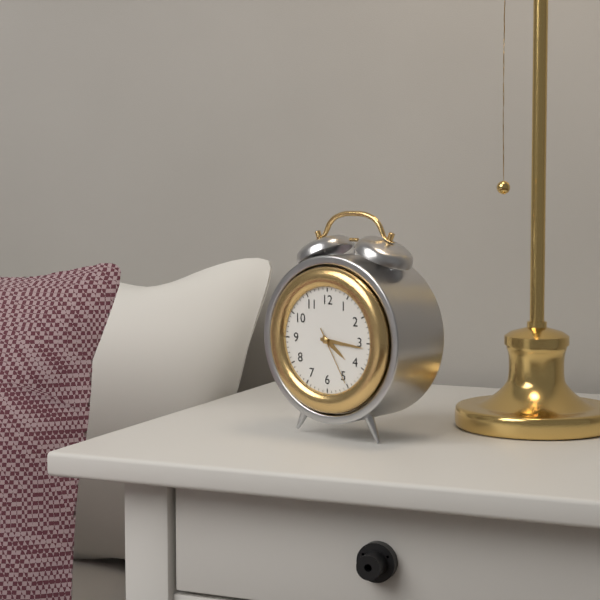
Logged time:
4h16m25s
